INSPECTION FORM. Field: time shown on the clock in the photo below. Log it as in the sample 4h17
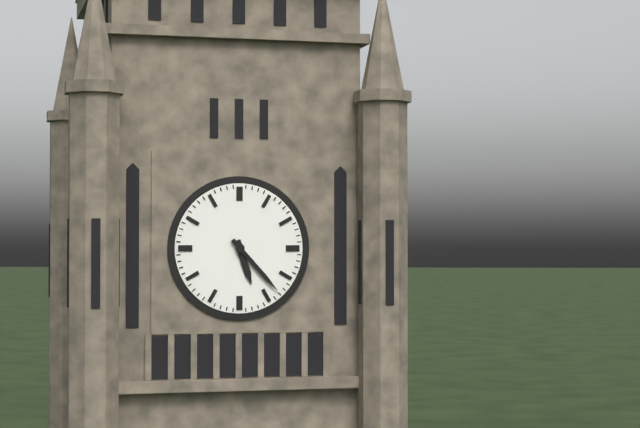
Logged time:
5h23
